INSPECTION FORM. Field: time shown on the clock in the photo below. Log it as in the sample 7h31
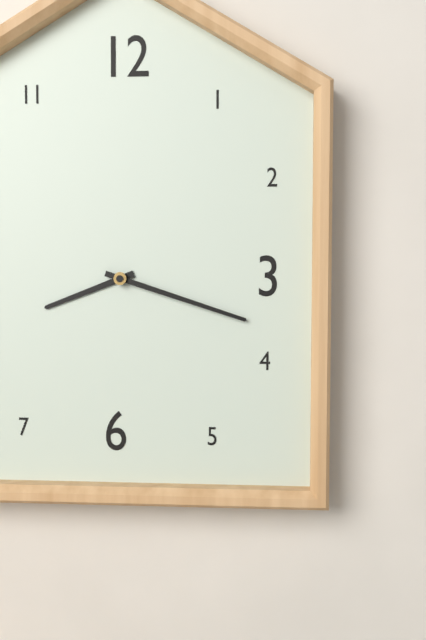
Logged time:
8h18
